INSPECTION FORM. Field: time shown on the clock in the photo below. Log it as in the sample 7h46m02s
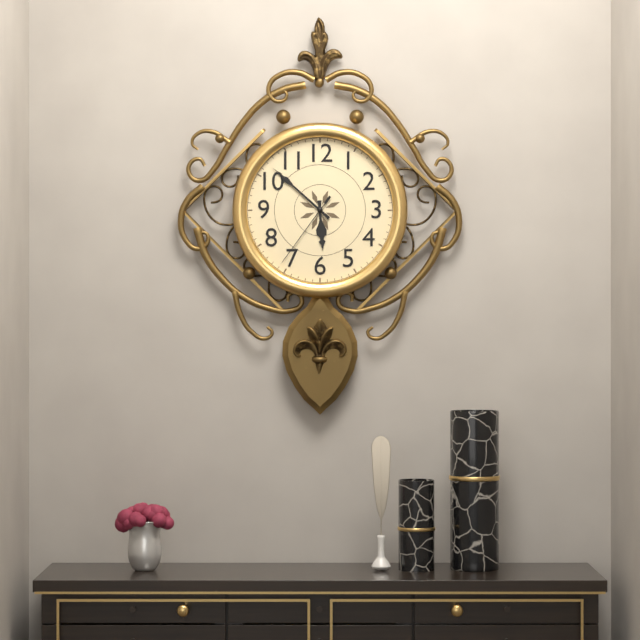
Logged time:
5h52m36s
